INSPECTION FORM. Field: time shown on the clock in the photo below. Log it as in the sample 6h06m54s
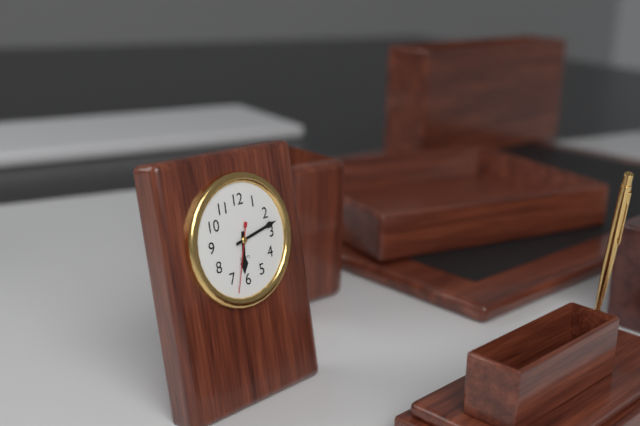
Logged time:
6h13m33s
